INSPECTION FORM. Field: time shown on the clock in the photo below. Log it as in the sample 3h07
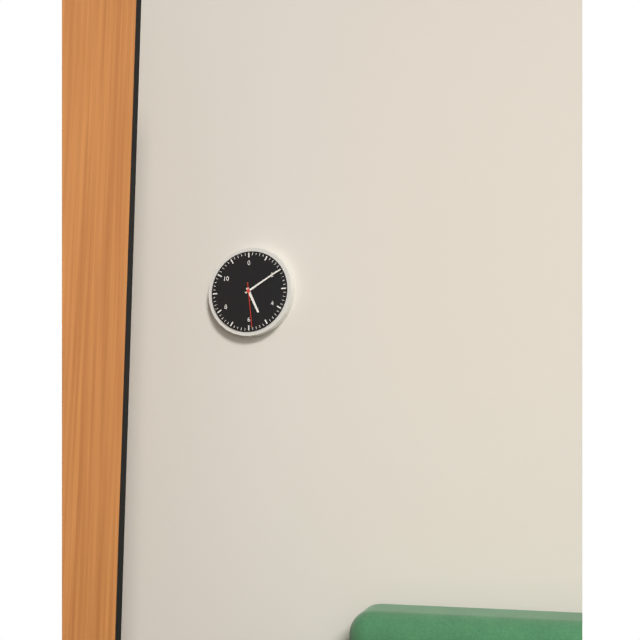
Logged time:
5h10
